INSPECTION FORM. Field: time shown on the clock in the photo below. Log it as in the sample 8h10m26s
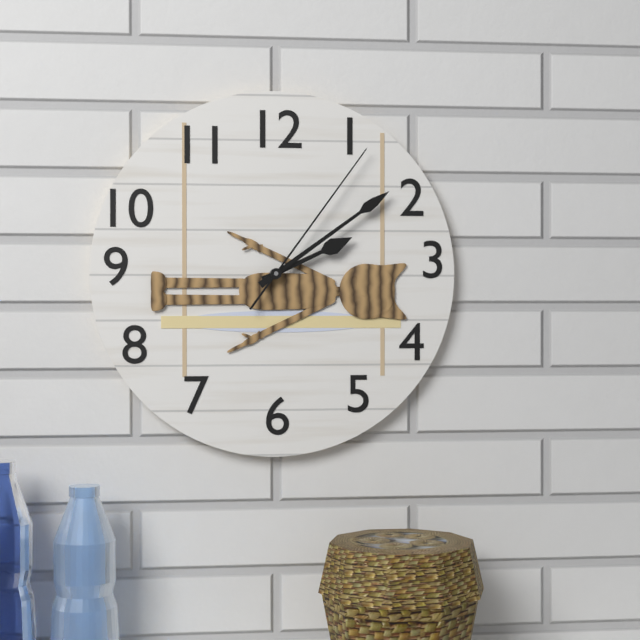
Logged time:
2h09m06s
